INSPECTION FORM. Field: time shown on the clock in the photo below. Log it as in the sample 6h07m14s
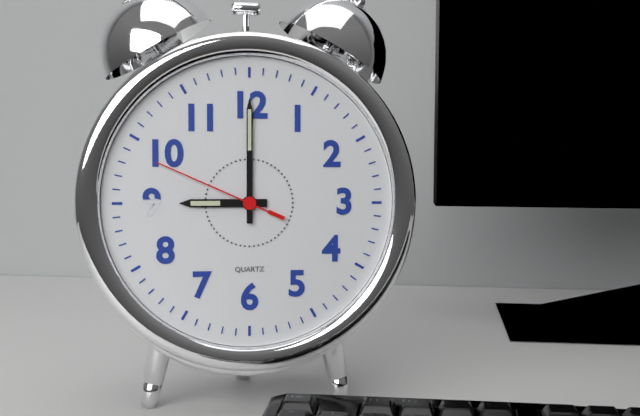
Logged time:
9h00m49s
